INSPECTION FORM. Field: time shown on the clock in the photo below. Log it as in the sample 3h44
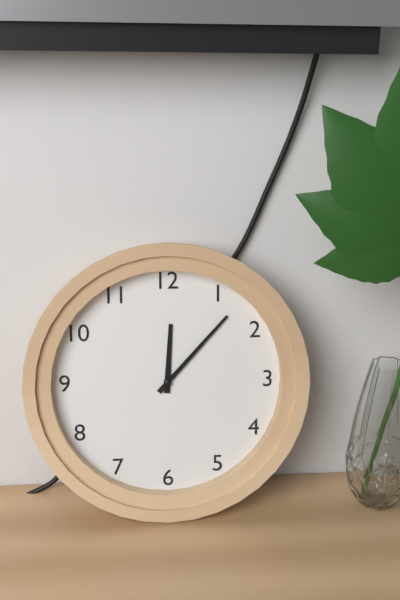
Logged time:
12h07
